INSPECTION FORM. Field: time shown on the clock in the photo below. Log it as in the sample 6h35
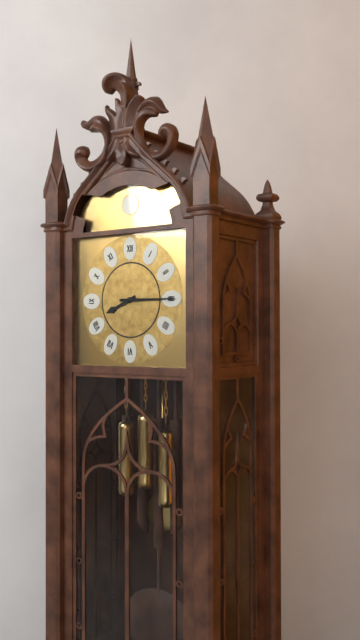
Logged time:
8h15
